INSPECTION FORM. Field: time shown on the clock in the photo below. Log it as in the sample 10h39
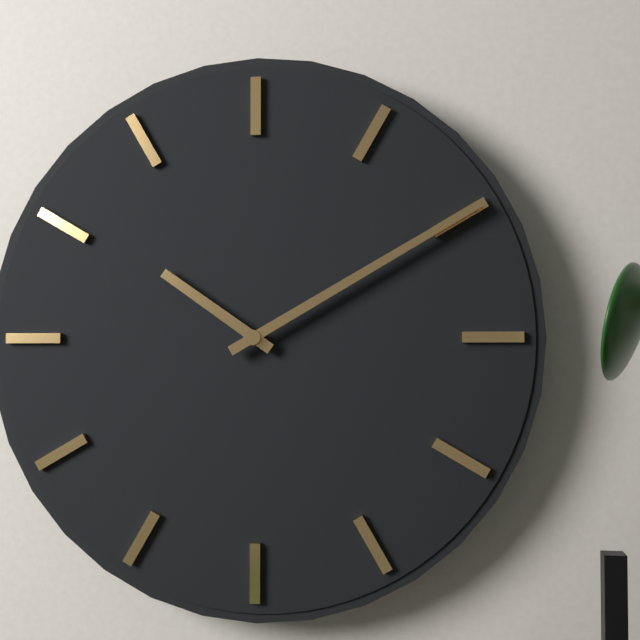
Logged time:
10h10
